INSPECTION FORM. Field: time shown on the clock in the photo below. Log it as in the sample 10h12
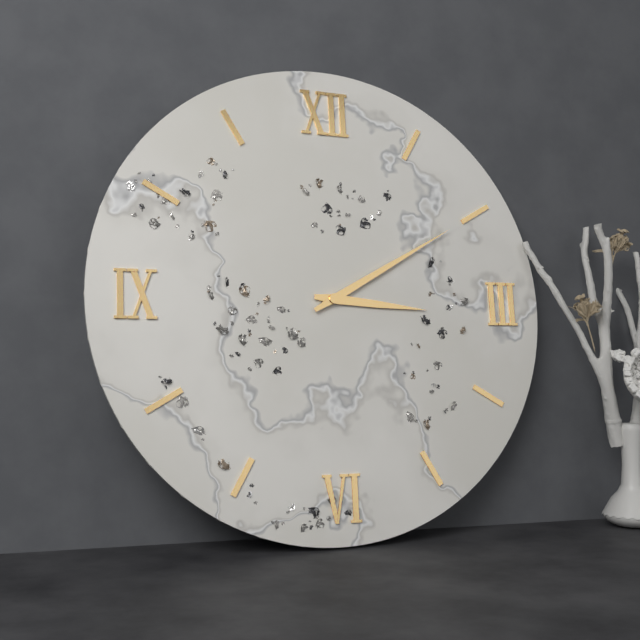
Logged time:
3h10
